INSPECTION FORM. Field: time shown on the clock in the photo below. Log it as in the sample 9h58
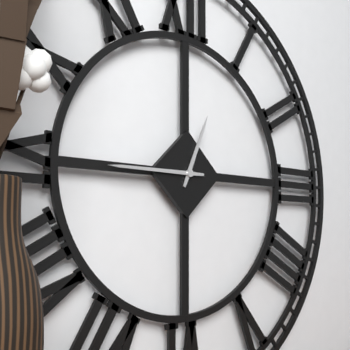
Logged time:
12h45
